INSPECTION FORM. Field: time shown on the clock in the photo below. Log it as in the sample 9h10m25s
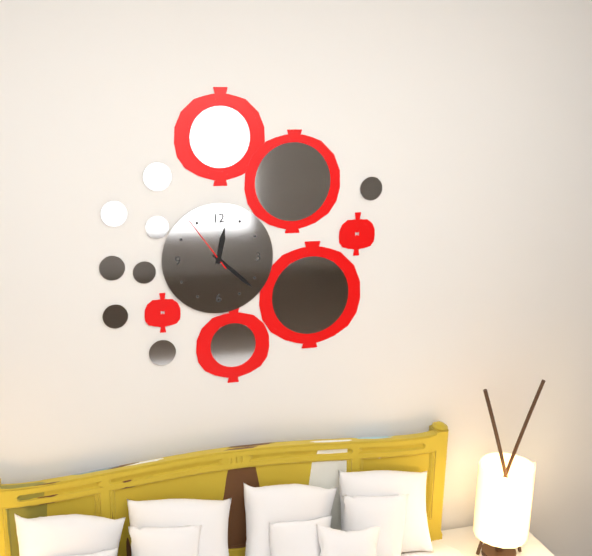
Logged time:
12h22m54s
